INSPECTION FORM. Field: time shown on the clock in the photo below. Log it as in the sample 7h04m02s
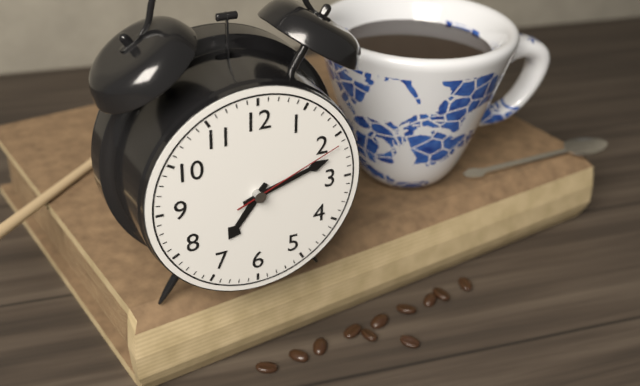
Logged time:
7h12m11s
